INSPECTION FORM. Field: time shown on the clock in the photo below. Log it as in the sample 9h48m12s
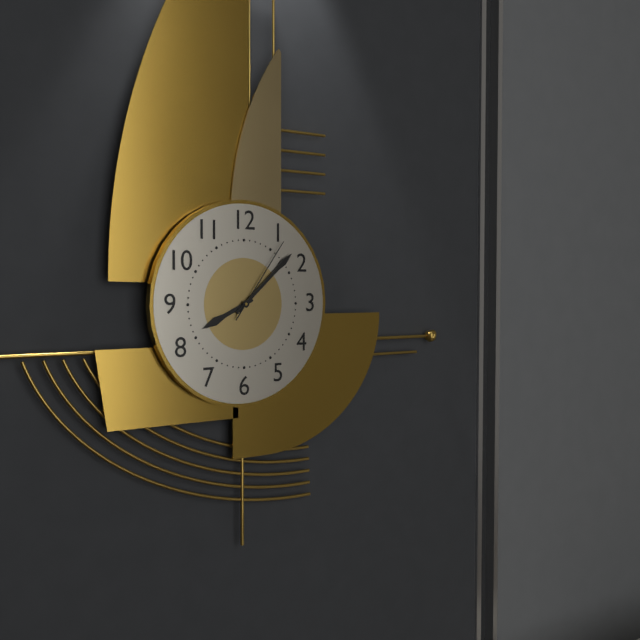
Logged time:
8h08m06s
